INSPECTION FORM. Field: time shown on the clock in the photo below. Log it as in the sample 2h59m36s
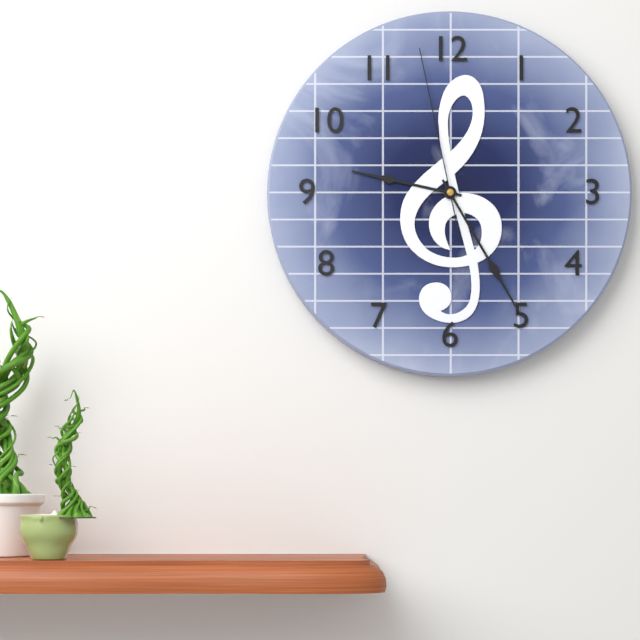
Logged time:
9h25m58s
